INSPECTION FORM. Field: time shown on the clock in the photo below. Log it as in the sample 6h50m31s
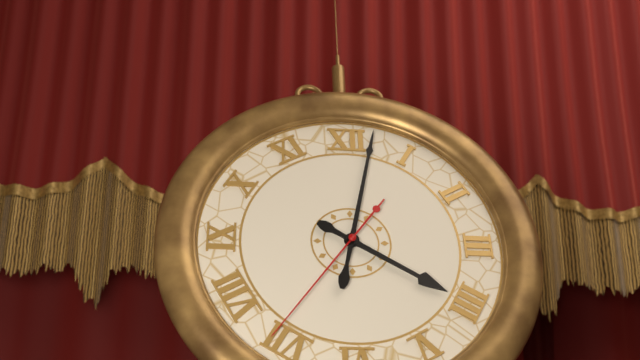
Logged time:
4h02m36s
